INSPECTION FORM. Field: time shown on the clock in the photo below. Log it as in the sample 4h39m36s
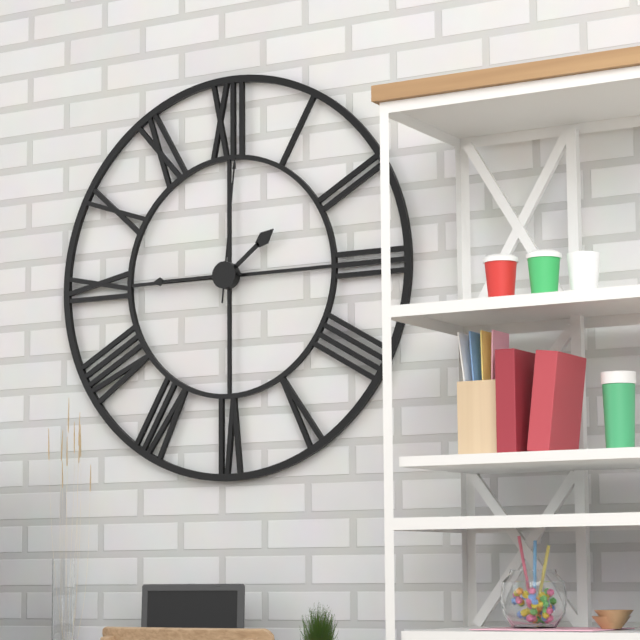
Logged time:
1h45m01s
